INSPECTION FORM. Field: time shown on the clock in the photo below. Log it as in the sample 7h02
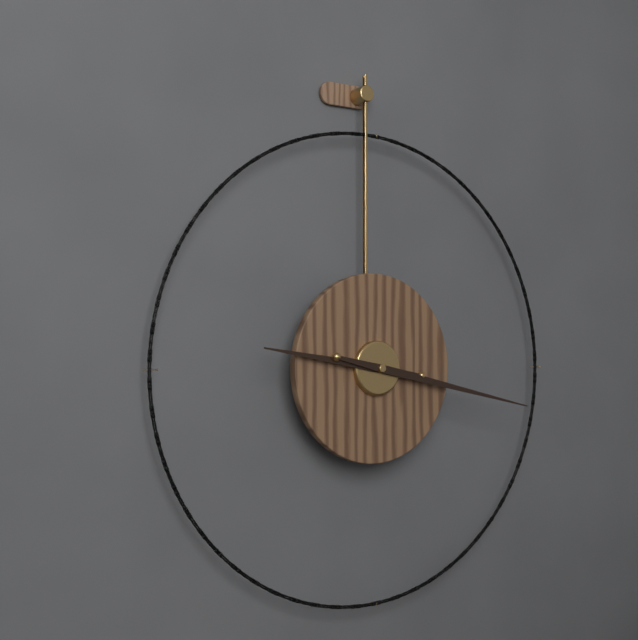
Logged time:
9h17
